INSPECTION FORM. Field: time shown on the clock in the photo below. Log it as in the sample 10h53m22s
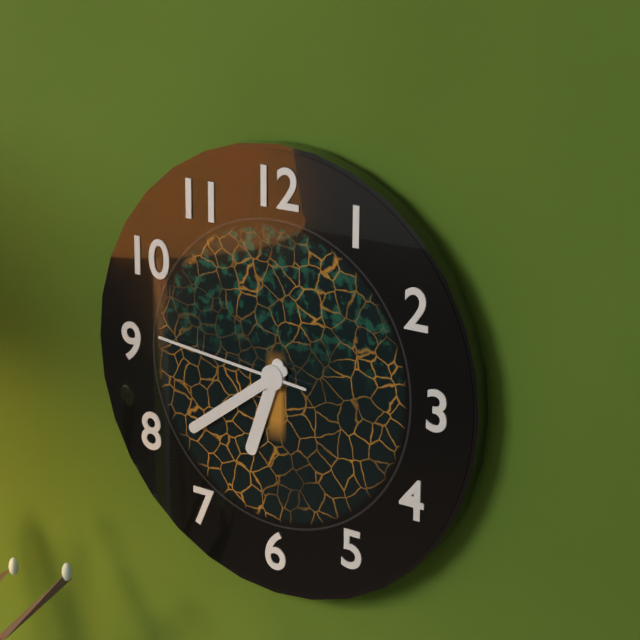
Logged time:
6h39m46s
